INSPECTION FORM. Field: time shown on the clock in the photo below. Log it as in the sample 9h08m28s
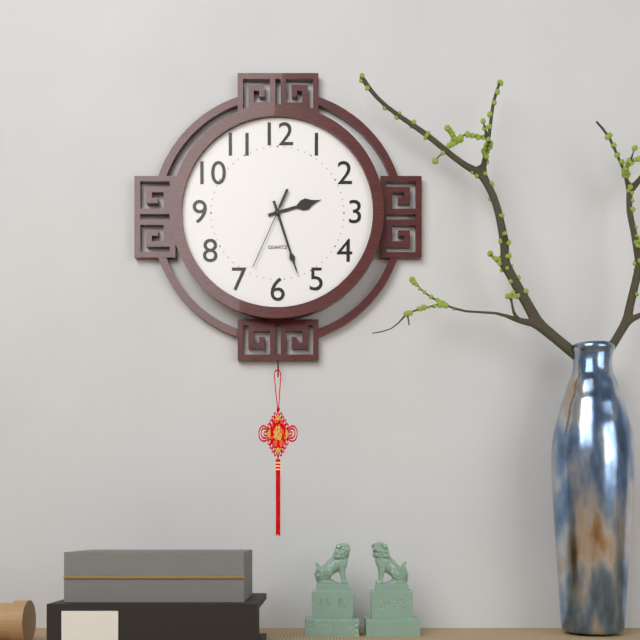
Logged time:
2h27m34s
